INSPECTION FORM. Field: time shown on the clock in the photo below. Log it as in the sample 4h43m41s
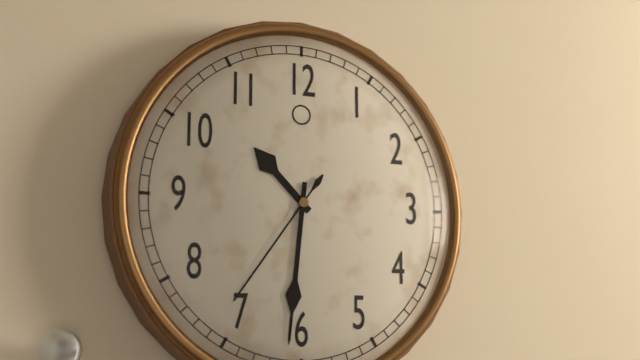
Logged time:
10h31m36s
